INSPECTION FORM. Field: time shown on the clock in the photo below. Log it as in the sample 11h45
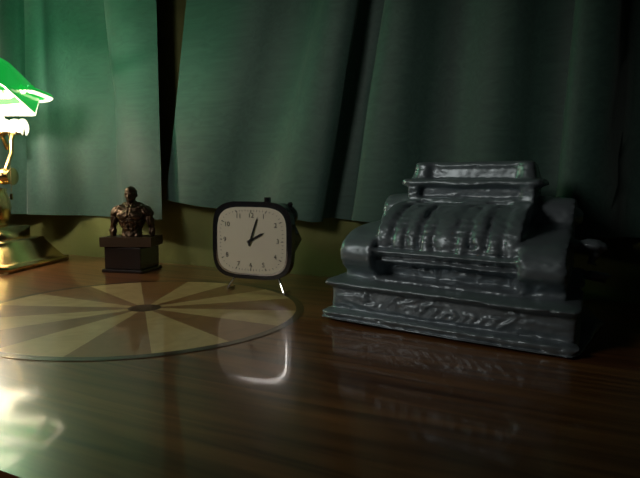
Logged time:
2h03
